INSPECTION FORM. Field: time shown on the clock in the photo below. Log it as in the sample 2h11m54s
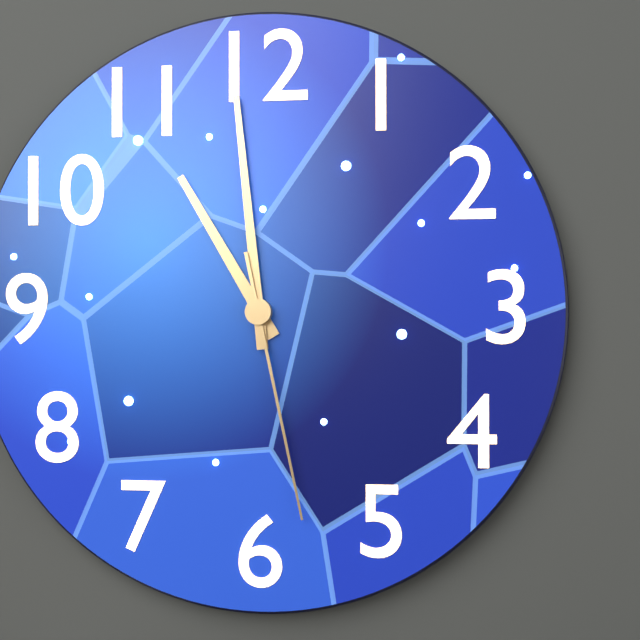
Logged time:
10h59m28s
